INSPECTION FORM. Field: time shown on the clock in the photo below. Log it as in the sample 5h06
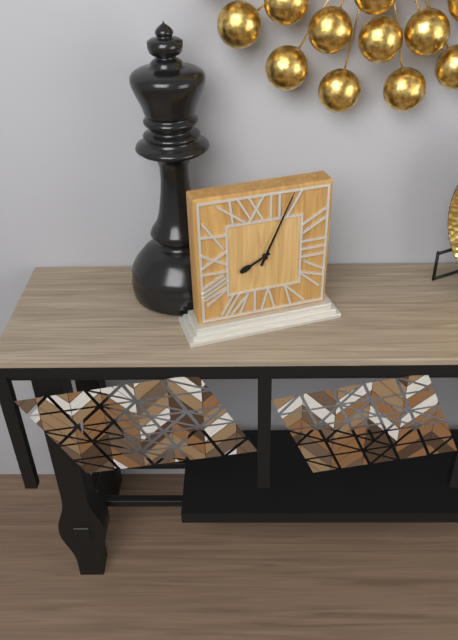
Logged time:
8h04
